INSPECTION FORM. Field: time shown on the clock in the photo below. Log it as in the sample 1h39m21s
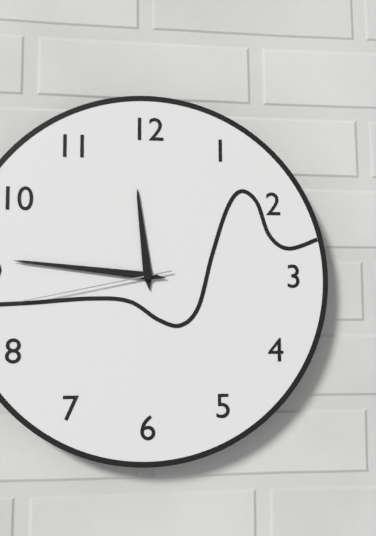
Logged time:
11h46m43s
